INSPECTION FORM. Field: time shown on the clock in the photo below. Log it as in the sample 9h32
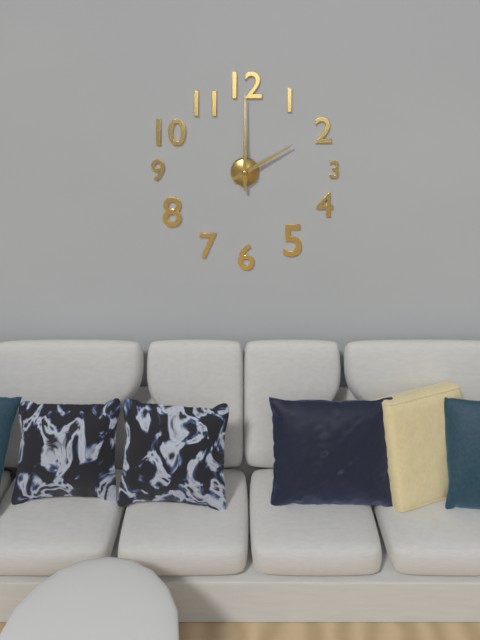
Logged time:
2h00
